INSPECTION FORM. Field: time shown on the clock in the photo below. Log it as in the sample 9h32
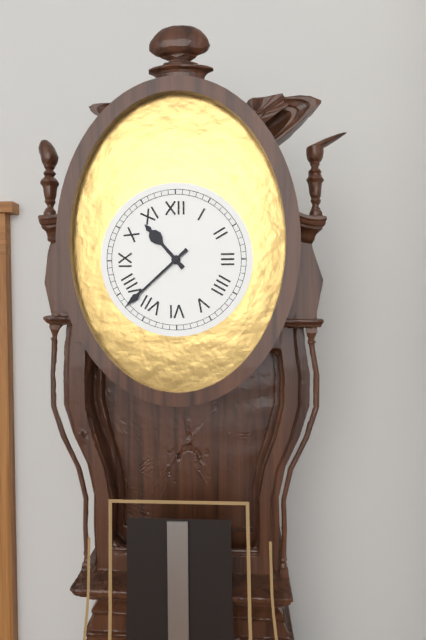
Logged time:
10h38
